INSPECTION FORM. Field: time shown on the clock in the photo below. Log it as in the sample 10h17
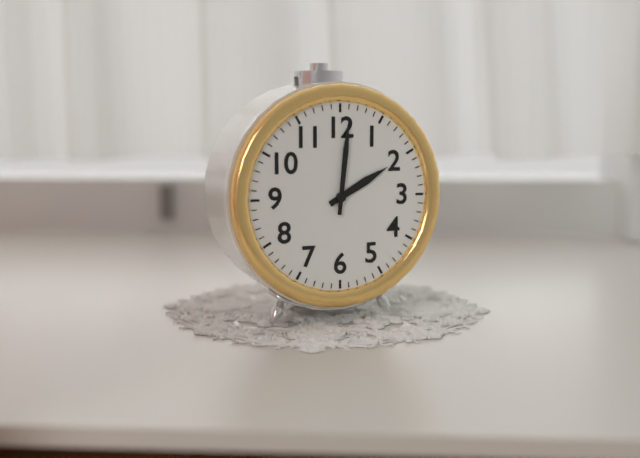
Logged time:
2h01
